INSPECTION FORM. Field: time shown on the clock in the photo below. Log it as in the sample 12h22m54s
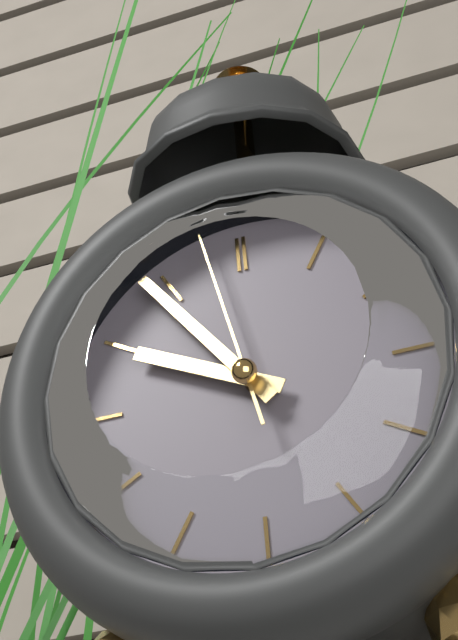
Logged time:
9h54m58s
